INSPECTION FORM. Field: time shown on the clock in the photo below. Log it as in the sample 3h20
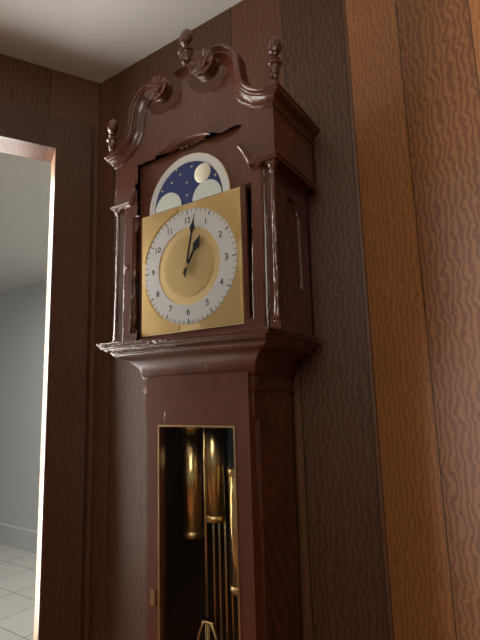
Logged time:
1h02
